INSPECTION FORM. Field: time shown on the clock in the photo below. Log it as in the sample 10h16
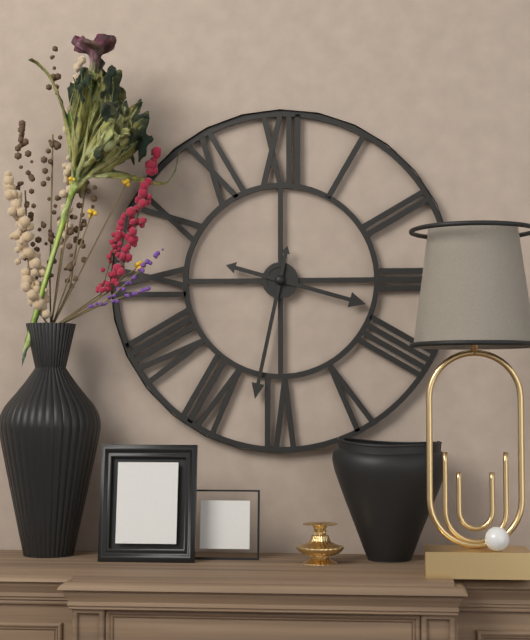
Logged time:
3h32
